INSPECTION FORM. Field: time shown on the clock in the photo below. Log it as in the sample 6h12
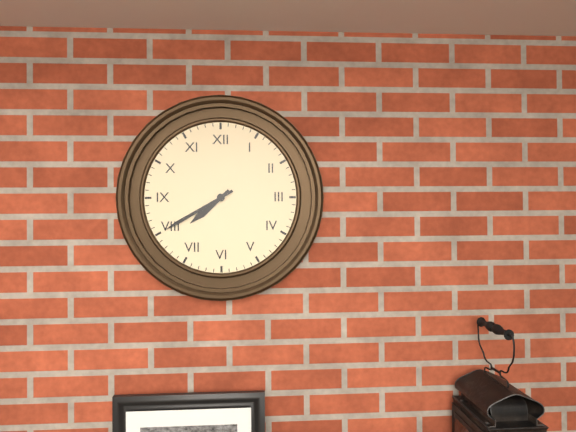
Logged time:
7h40
